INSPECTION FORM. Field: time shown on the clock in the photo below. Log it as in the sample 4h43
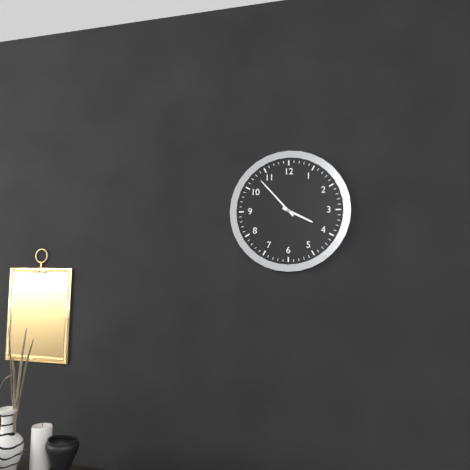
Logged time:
3h53
